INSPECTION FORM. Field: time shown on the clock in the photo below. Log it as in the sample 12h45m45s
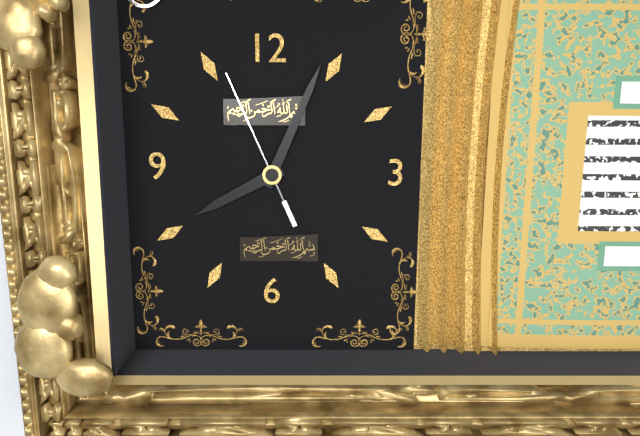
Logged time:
8h04m56s
